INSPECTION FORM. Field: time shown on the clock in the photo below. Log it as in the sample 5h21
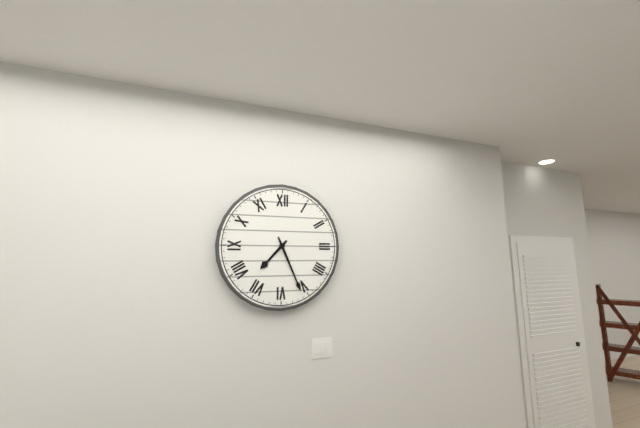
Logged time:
7h26
